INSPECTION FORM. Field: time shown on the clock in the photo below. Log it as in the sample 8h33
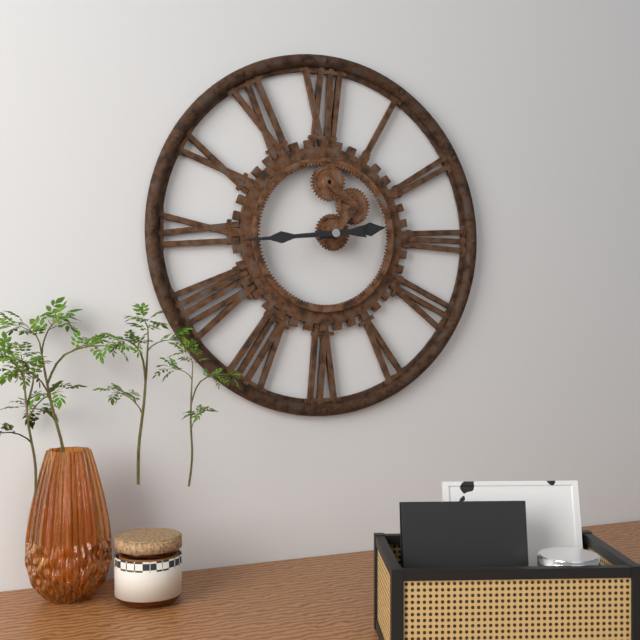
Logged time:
2h44
